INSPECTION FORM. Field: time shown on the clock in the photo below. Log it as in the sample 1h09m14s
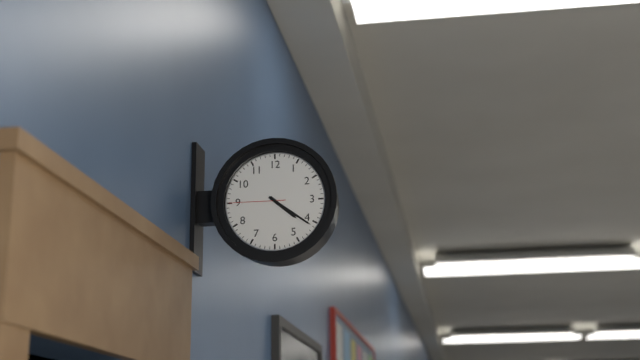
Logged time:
4h21m45s
